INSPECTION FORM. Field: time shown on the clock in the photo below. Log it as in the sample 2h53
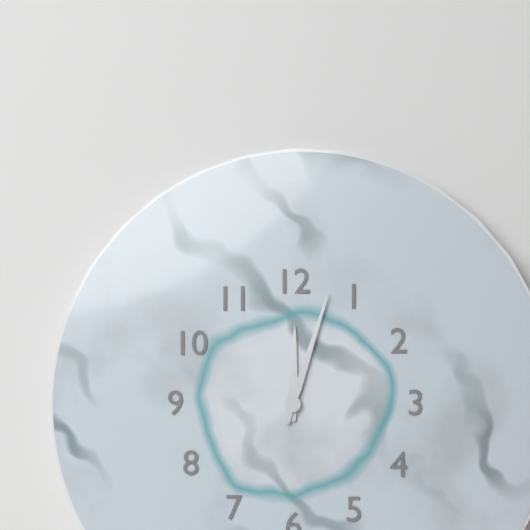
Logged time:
12h03
